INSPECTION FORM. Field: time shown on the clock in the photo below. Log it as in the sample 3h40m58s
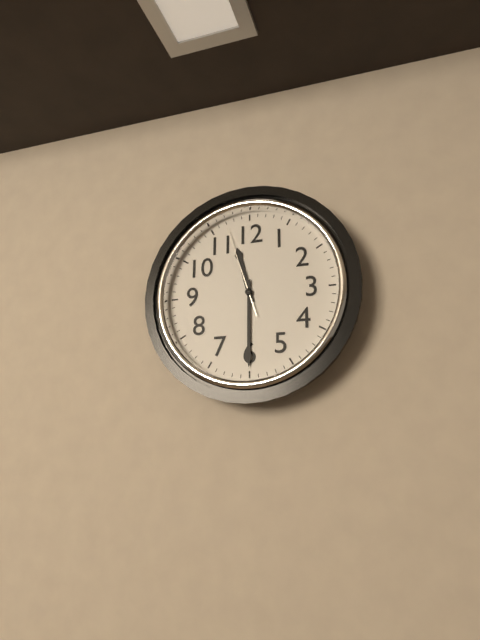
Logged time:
11h30m57s
